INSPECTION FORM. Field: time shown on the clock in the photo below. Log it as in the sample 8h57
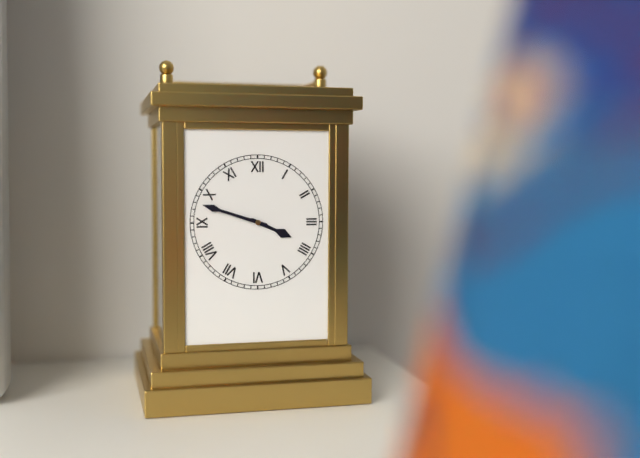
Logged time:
3h48
